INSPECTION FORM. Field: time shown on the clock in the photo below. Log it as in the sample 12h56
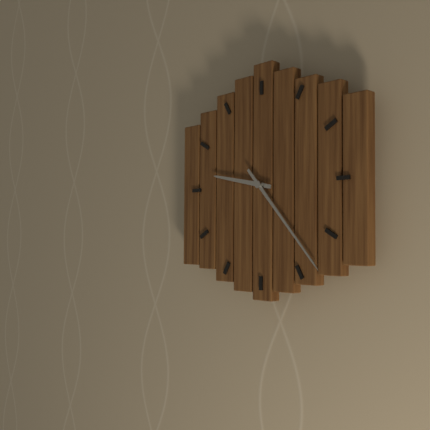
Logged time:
9h23
